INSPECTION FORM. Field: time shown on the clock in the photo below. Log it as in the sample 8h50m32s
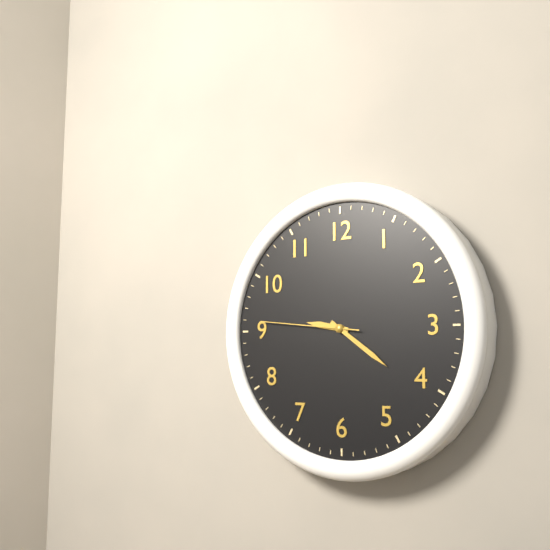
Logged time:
9h21m46s
